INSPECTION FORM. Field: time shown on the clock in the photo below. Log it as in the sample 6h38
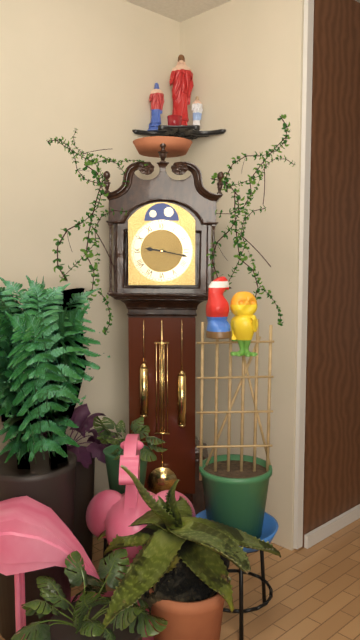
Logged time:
9h17
